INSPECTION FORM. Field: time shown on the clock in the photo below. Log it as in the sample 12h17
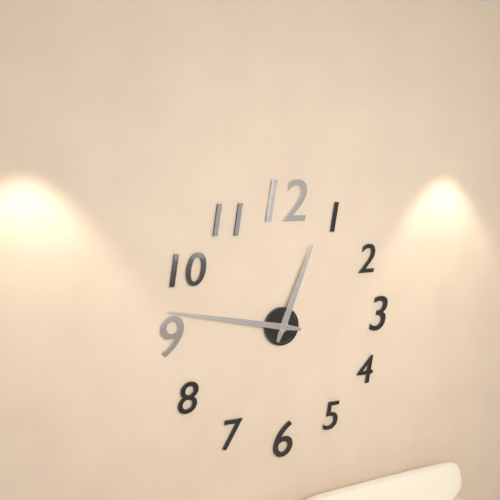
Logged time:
12h47
